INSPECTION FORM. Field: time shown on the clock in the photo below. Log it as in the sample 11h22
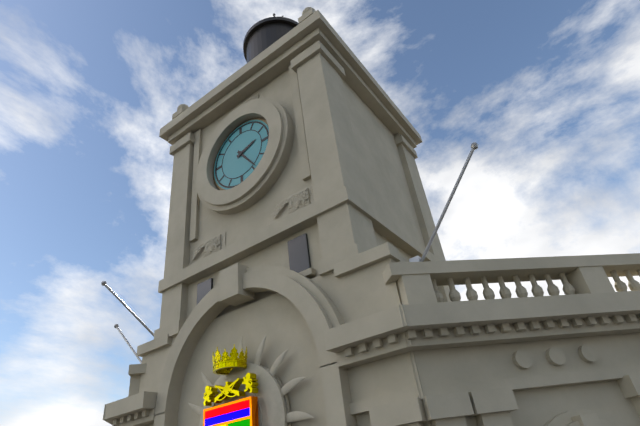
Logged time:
2h24
